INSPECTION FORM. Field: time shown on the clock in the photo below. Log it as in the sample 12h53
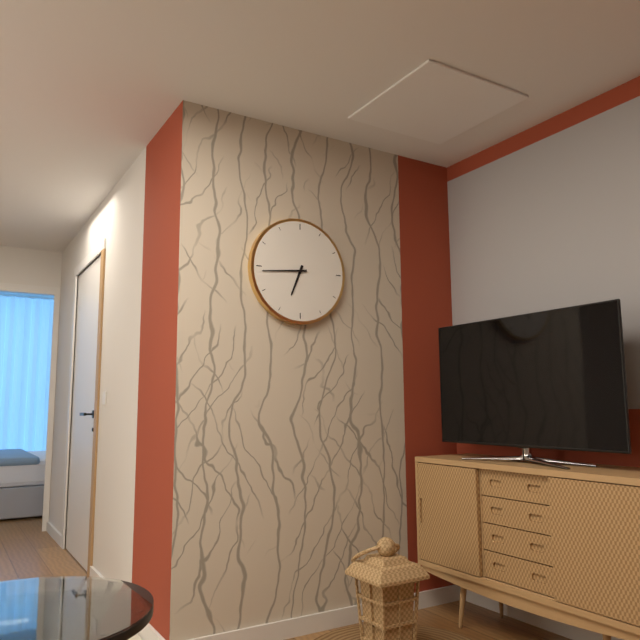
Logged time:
6h44
